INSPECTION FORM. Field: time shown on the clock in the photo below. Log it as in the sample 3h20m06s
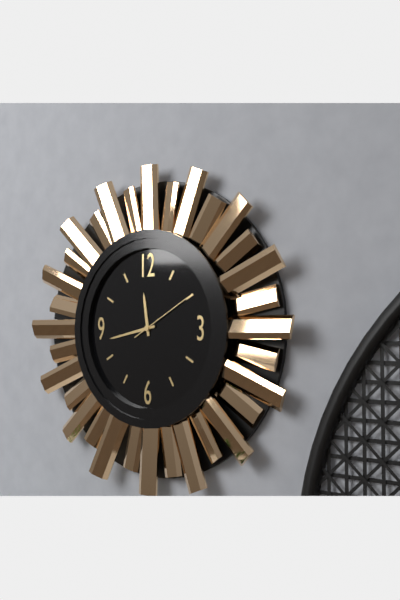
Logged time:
11h43m10s
